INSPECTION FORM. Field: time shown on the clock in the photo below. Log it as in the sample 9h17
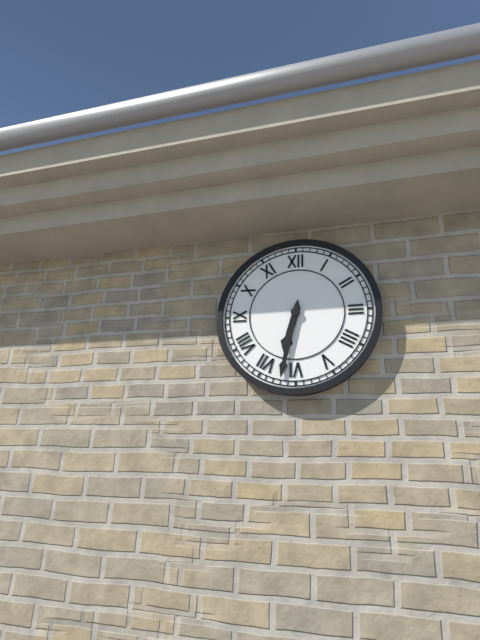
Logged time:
6h32
